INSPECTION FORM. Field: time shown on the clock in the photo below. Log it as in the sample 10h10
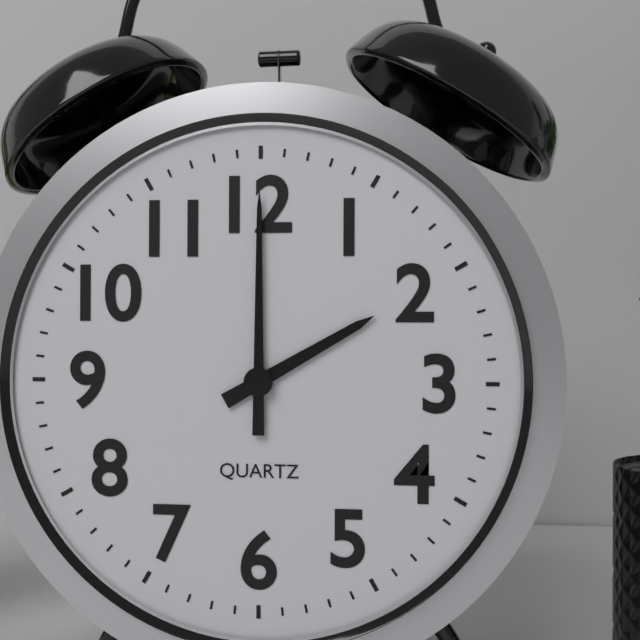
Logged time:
2h00
